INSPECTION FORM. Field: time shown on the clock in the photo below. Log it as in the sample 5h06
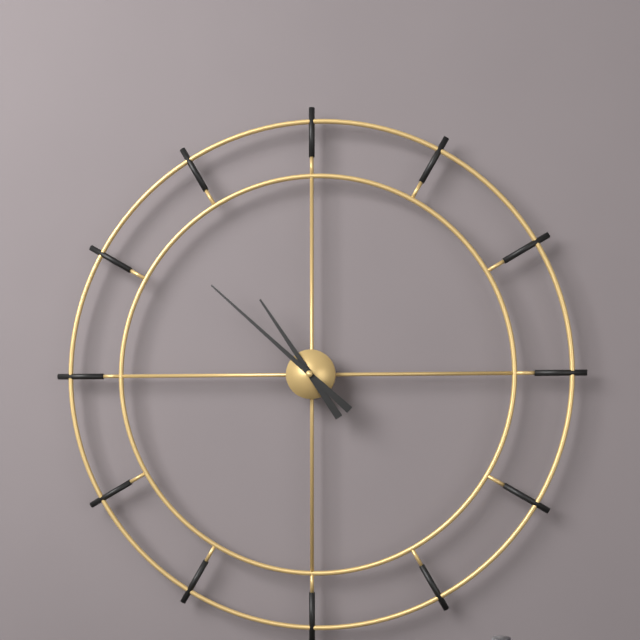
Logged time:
10h52
